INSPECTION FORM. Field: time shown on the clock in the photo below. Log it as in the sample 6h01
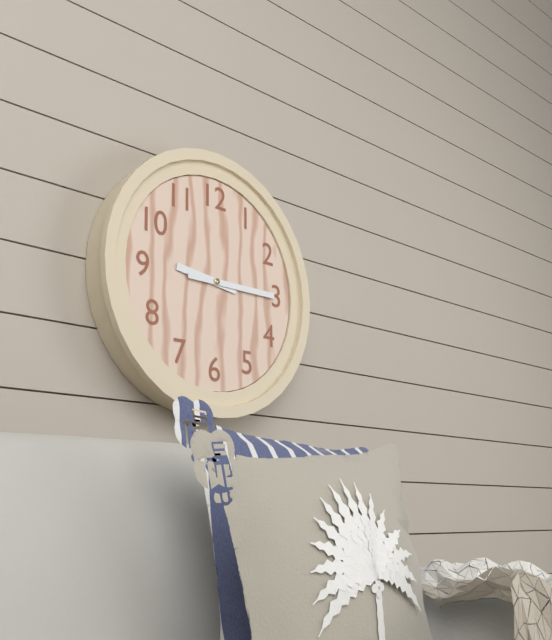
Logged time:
9h15
